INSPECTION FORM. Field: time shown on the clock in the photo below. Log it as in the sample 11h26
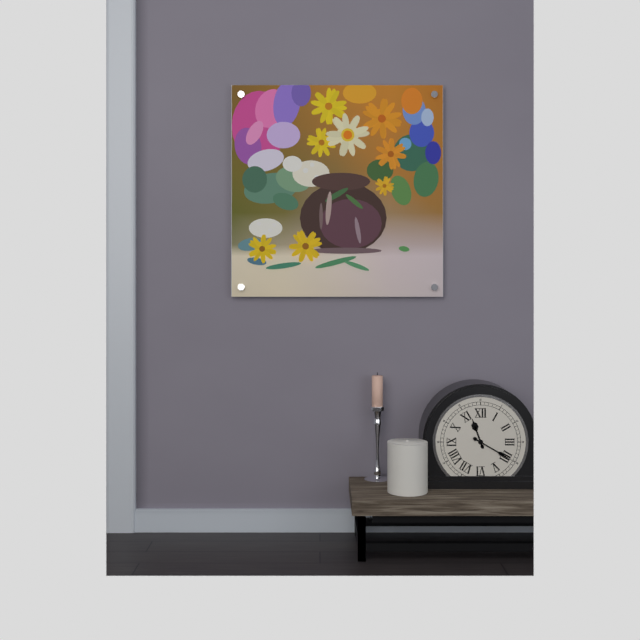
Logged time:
11h20
